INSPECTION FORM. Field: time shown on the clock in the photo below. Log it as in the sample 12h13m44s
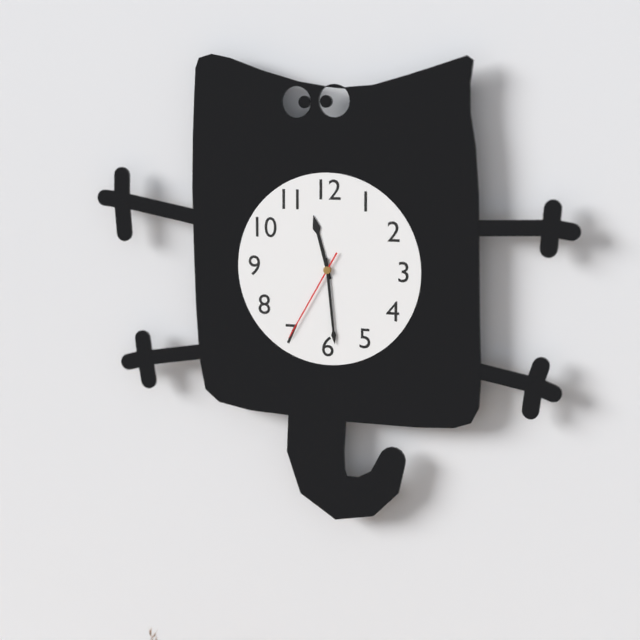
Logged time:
11h29m35s
